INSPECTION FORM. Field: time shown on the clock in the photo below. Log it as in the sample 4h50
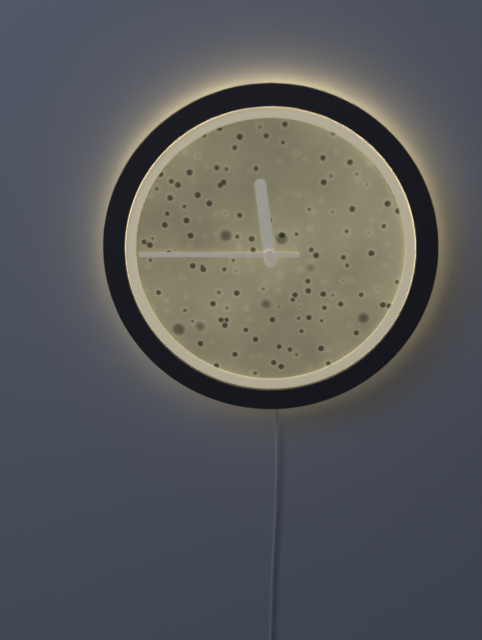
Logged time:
11h45
